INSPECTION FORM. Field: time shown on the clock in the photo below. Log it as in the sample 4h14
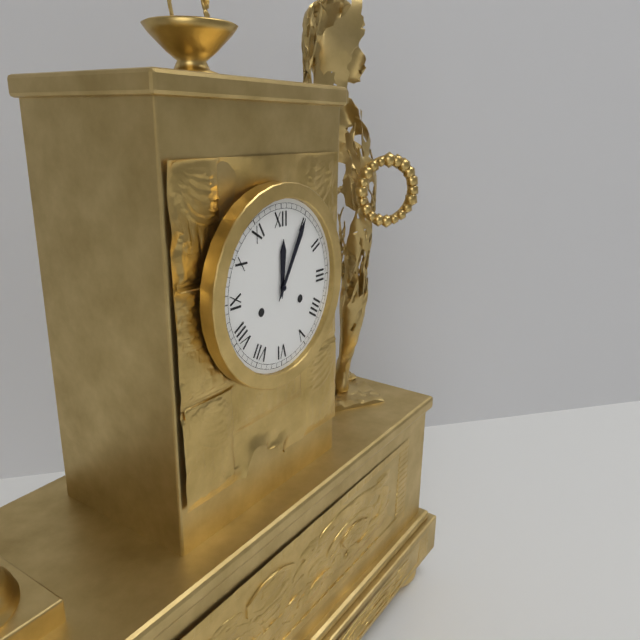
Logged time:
12h05
